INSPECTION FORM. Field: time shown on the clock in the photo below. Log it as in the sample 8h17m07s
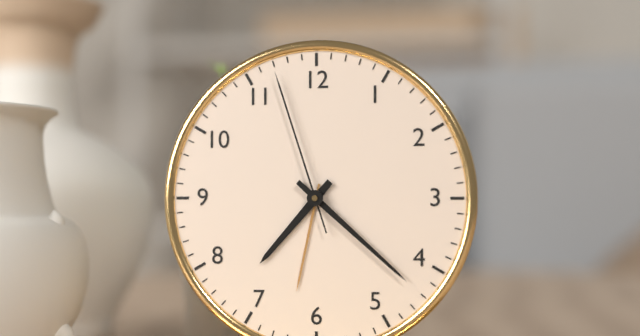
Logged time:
7h22m57s
